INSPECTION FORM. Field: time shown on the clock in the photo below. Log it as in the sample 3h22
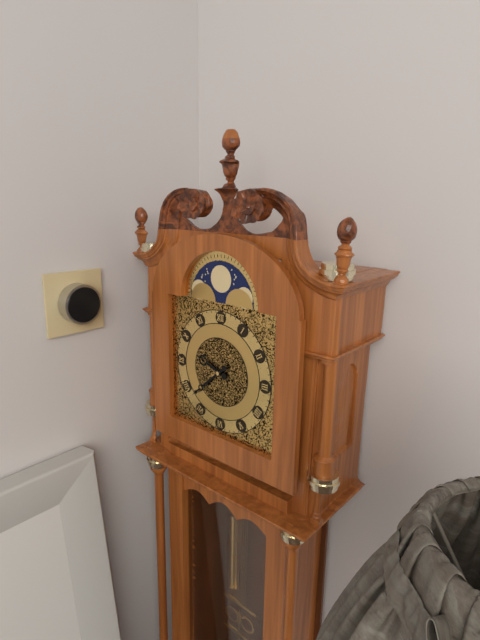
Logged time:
9h38
